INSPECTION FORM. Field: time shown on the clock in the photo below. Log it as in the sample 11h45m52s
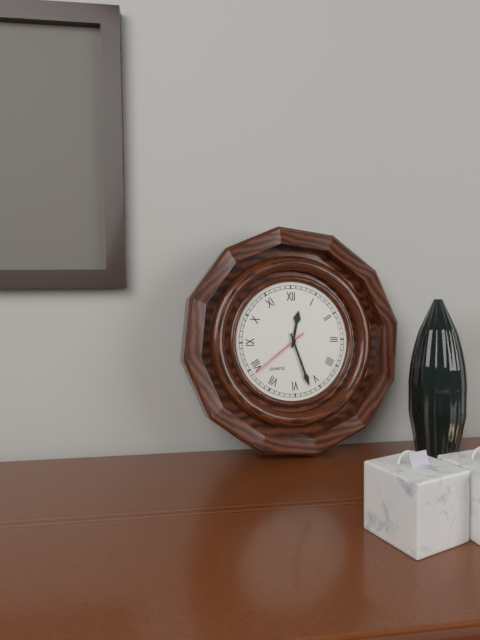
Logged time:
12h27m39s
